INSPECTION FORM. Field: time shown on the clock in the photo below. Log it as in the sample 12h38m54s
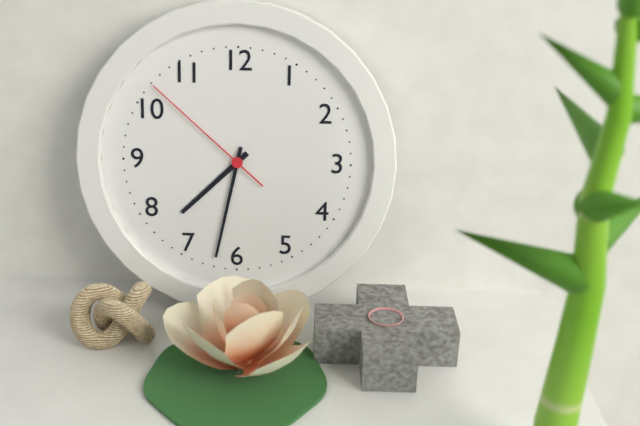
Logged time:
7h32m52s
